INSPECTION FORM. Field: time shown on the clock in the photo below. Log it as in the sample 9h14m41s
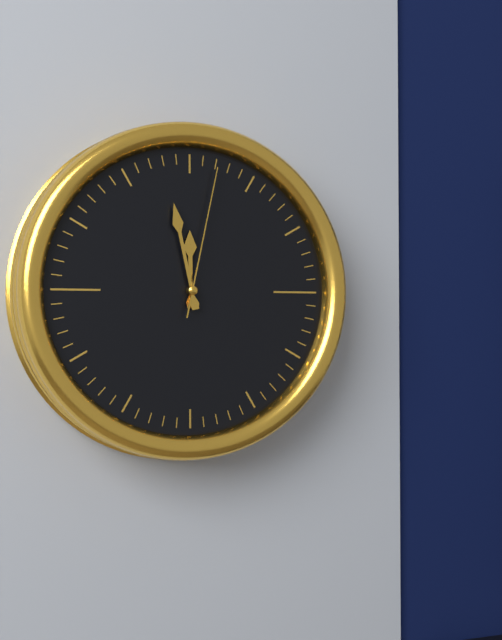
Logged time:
11h58m02s
